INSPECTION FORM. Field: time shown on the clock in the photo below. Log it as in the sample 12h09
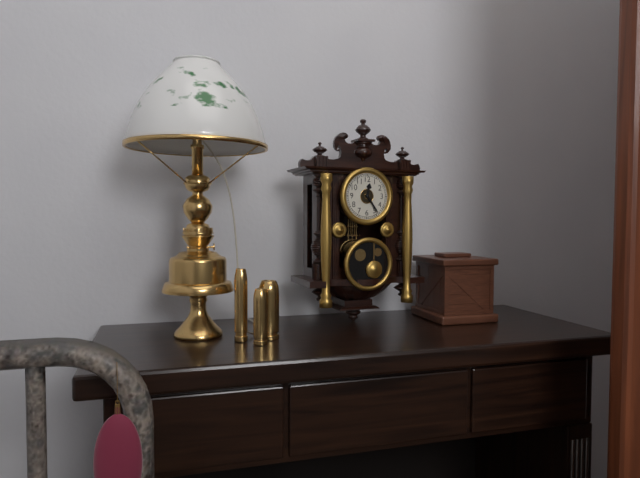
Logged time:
12h24
